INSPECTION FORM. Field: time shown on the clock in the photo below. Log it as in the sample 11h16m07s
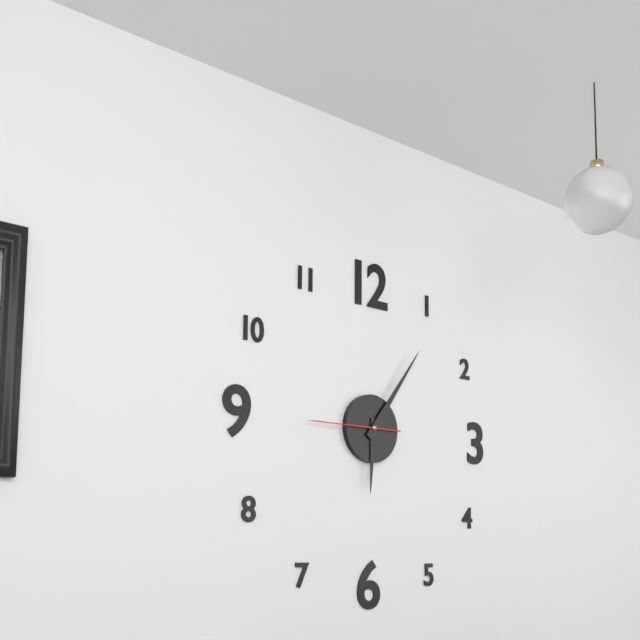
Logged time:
6h06m45s
